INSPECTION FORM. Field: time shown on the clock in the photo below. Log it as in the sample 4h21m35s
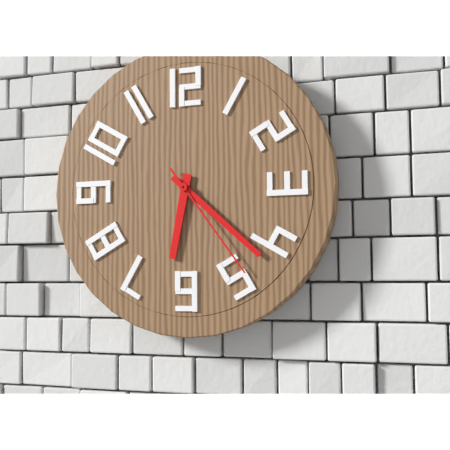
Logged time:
6h22m24s
